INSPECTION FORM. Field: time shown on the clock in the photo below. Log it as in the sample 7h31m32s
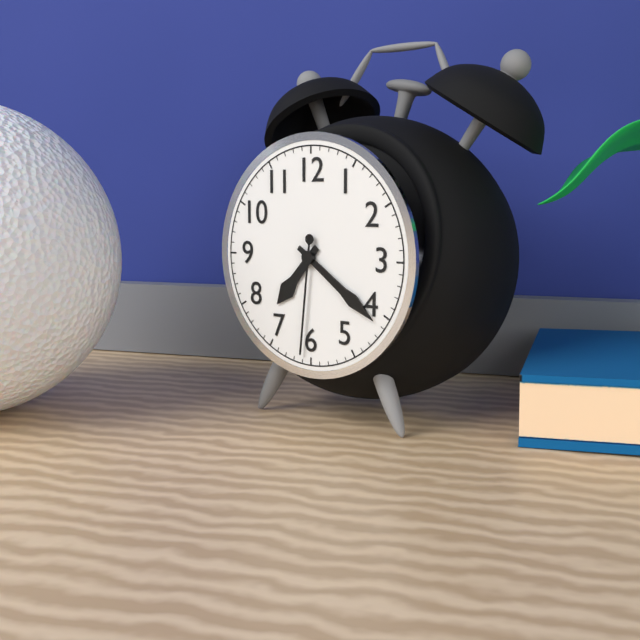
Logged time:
7h21m31s
